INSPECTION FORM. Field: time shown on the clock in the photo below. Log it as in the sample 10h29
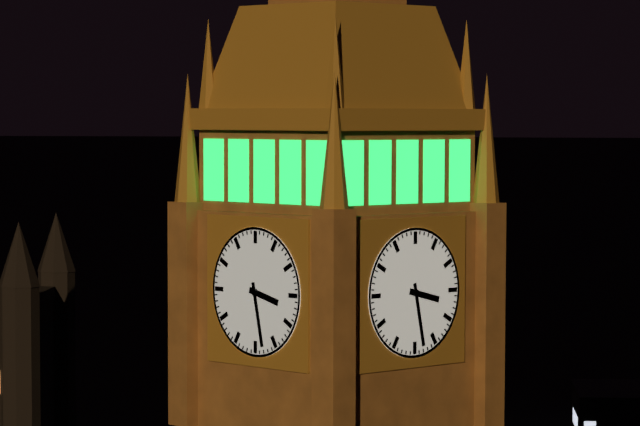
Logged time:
3h28
